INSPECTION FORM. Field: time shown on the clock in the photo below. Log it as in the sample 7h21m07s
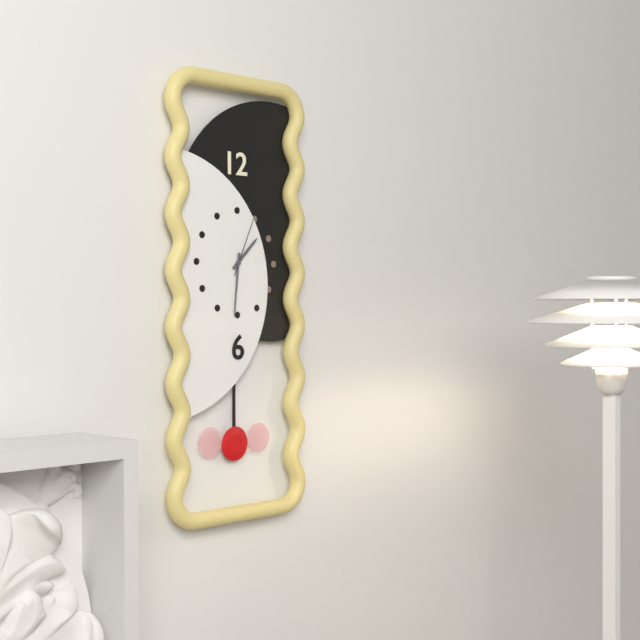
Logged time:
1h31m04s
